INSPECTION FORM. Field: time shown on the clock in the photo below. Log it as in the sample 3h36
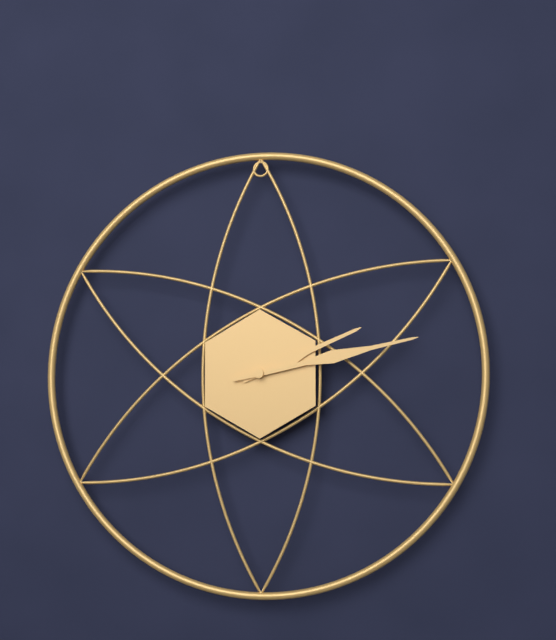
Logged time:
2h13
